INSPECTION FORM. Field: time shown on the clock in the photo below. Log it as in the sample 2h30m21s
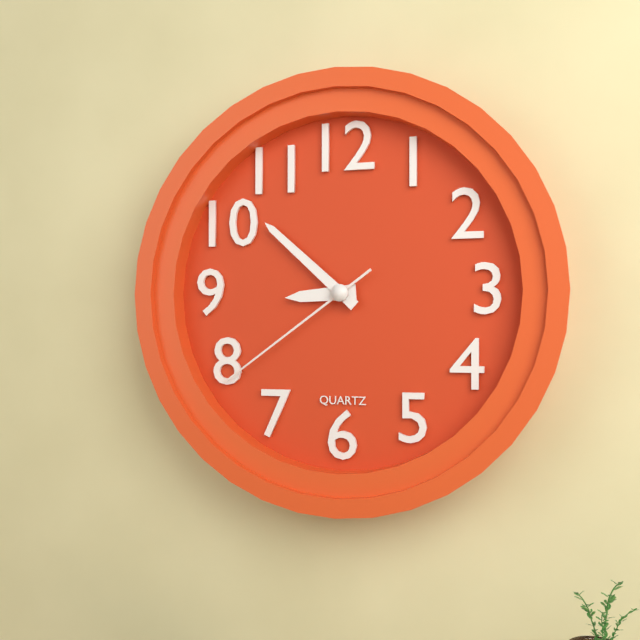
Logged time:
8h52m39s
